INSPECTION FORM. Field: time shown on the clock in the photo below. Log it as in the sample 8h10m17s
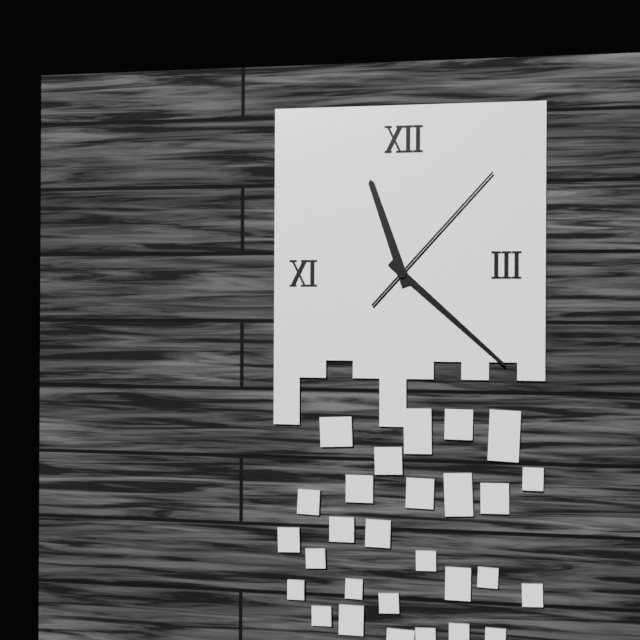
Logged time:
11h22m07s
